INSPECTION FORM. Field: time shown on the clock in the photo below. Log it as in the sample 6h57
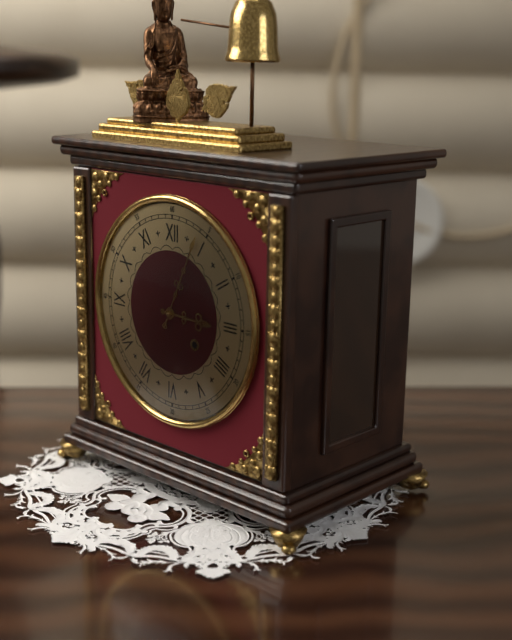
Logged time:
3h04
